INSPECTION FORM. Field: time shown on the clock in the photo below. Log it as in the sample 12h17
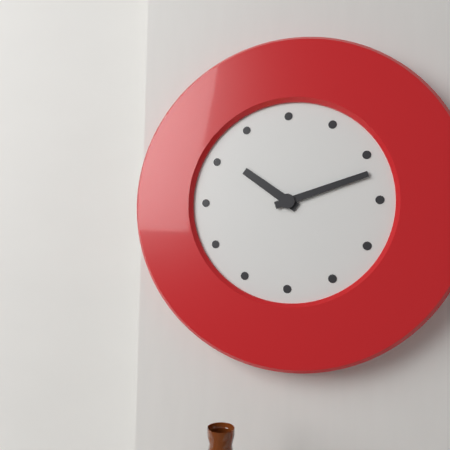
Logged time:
10h12
